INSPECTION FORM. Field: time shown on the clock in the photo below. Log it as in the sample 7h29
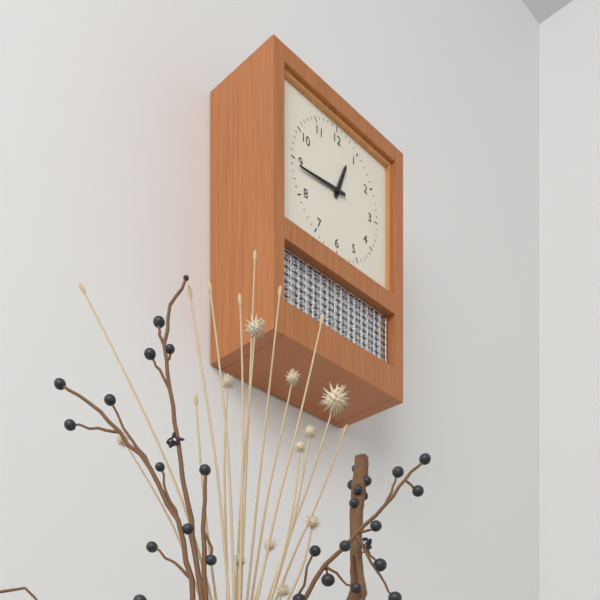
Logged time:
12h44
